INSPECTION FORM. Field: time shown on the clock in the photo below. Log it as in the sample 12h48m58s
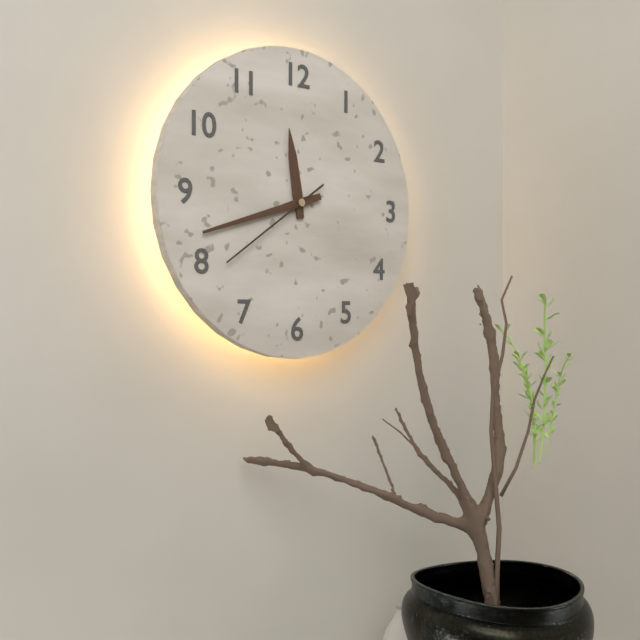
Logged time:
11h42m39s
